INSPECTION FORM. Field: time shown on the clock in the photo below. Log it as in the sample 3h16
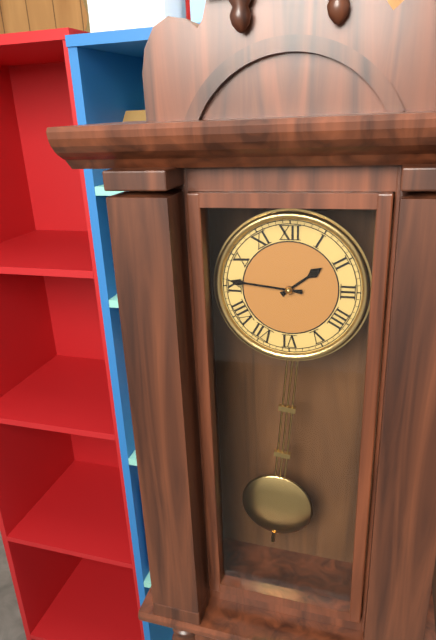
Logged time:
1h46
